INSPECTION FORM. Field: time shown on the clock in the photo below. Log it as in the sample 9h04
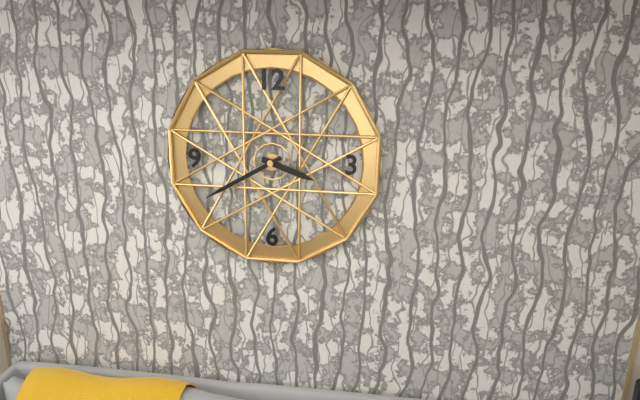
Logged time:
3h40
